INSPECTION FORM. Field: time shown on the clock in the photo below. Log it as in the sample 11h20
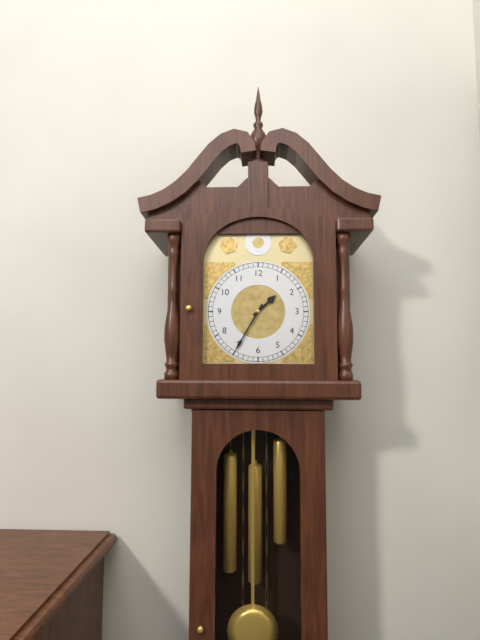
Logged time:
1h35
